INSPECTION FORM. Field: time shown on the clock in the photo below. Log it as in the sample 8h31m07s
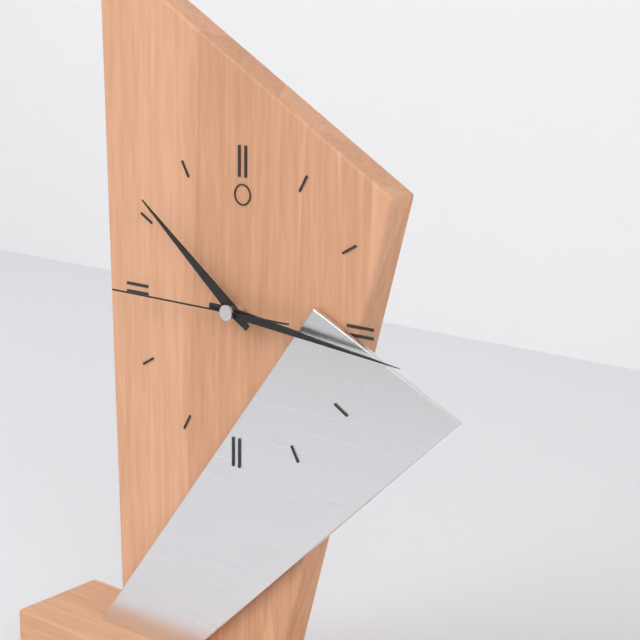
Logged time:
10h16m45s
